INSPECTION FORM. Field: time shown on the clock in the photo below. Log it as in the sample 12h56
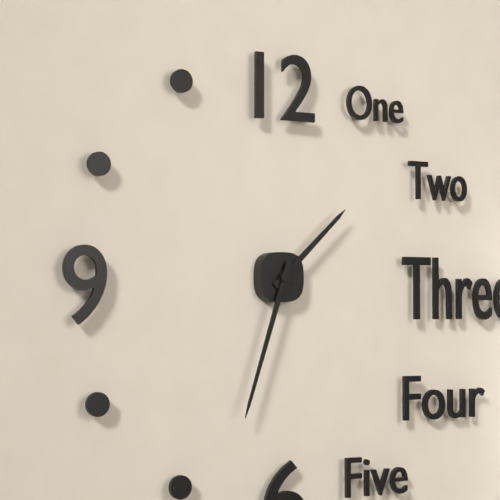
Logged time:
1h33
